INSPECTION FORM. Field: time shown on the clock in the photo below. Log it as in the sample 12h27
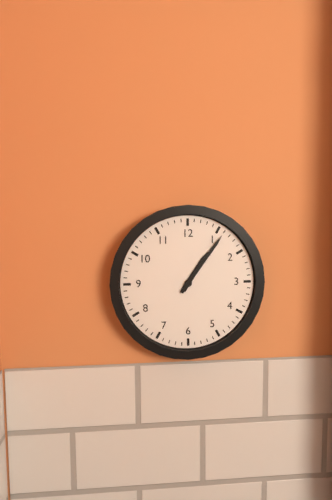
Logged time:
1h06
